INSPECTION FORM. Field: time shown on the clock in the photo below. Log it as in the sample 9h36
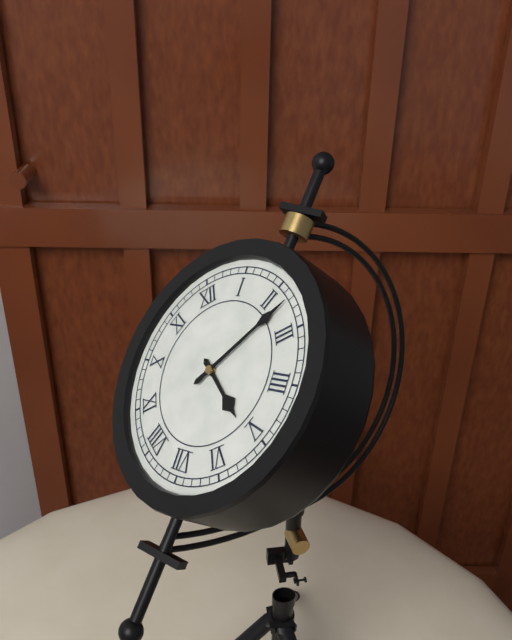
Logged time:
5h12
